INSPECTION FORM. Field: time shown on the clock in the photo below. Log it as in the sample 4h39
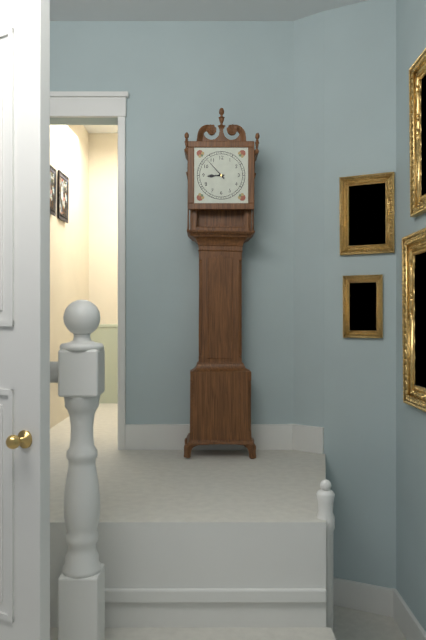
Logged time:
8h53
